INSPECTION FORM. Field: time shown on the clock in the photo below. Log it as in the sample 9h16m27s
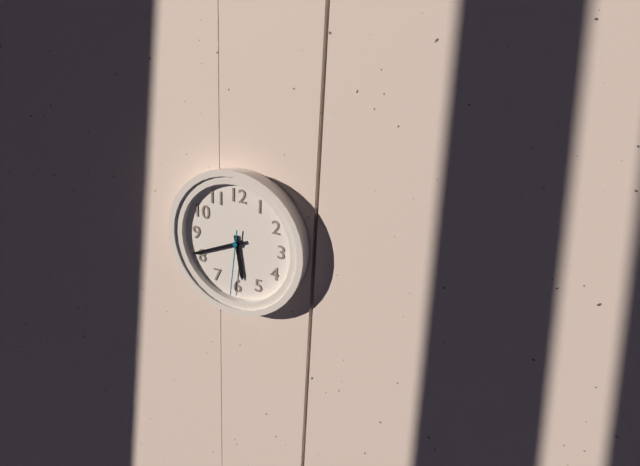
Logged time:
5h41m31s
